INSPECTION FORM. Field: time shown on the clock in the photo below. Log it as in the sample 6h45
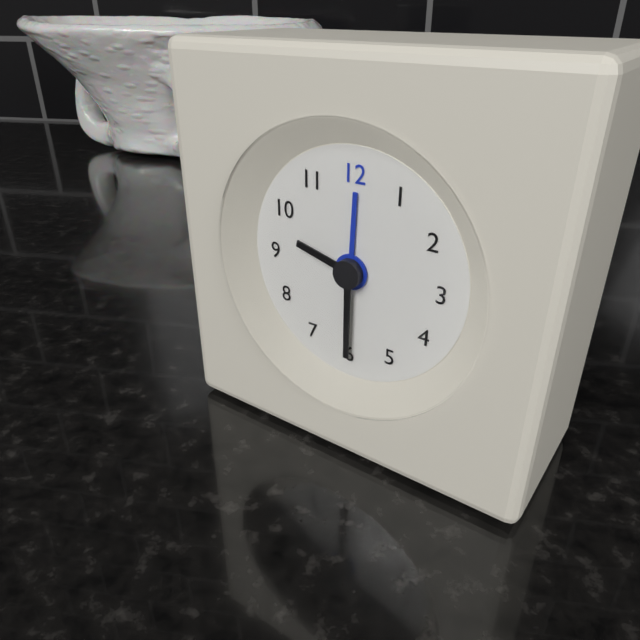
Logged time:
9h30
